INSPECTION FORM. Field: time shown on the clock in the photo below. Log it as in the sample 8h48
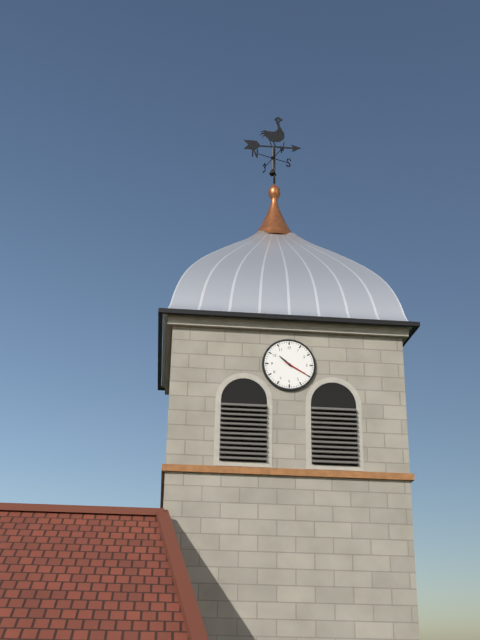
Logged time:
10h20
